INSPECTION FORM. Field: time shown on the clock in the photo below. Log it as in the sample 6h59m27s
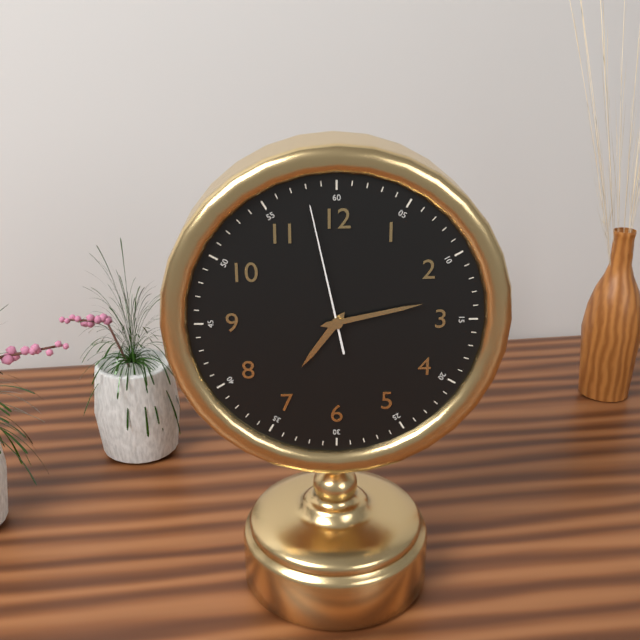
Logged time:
7h13m58s
